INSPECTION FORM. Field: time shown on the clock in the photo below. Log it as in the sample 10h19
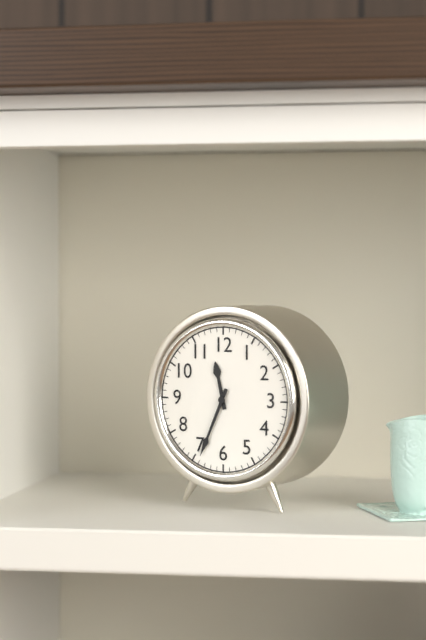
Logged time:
11h34
